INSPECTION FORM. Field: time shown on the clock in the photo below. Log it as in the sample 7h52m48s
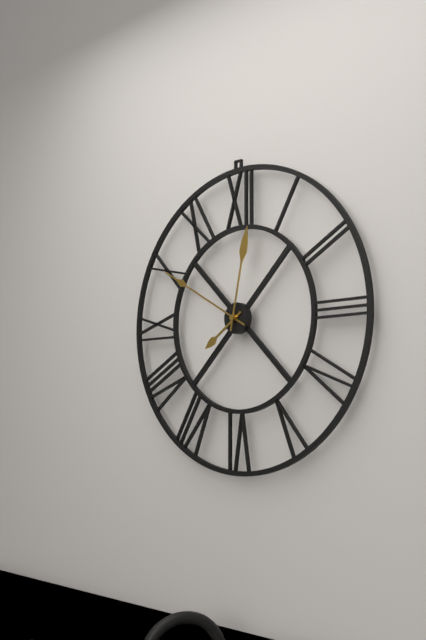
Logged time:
7h50m02s
